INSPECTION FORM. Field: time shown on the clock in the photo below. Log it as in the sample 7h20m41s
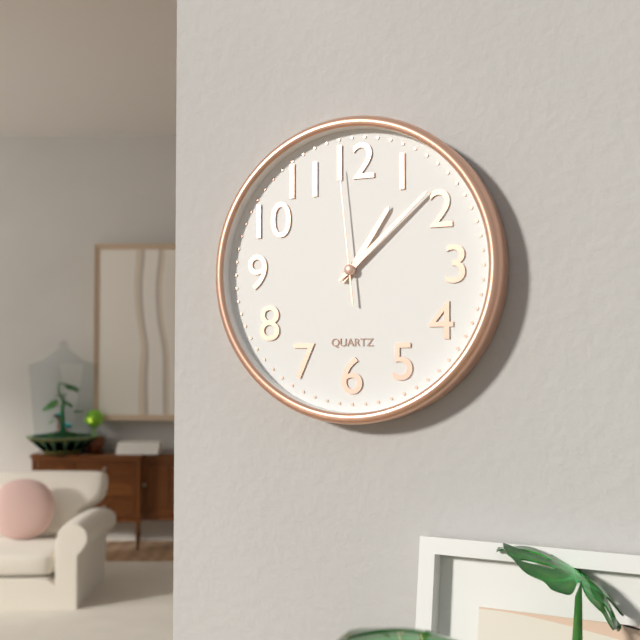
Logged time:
1h08m59s
